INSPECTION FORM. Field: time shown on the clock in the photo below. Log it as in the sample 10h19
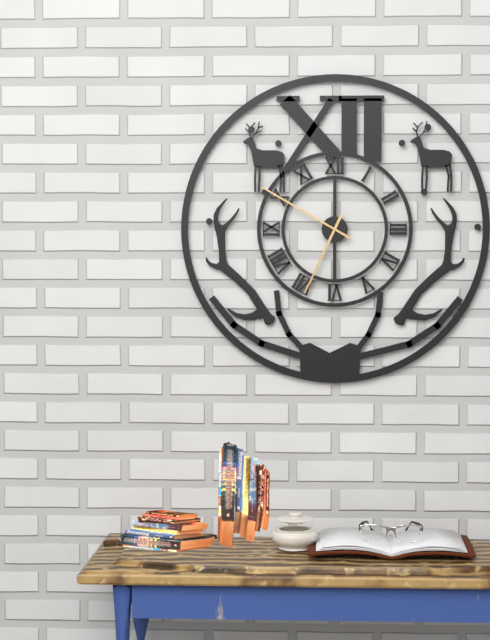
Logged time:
6h50
